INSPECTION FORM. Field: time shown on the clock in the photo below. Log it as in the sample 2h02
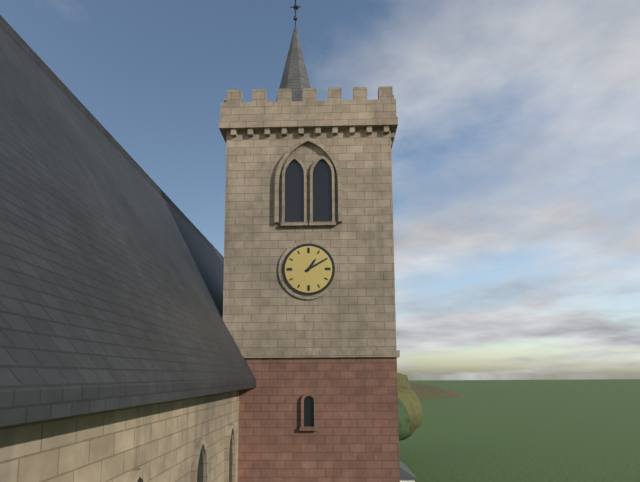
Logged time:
1h10
